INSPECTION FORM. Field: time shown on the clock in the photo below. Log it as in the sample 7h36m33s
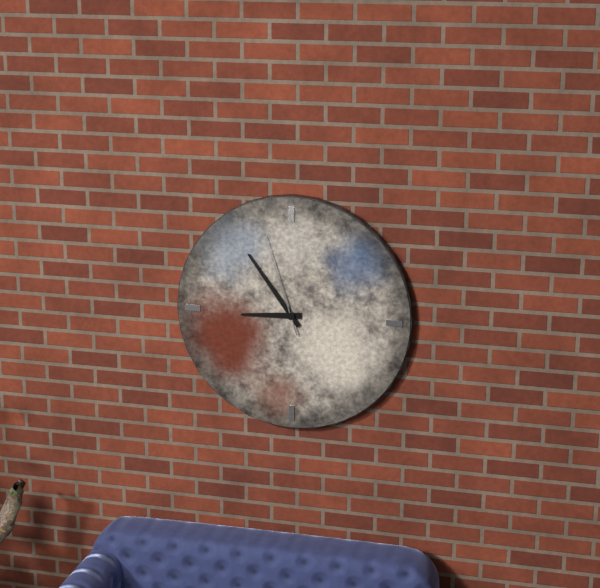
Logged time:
8h54m57s
